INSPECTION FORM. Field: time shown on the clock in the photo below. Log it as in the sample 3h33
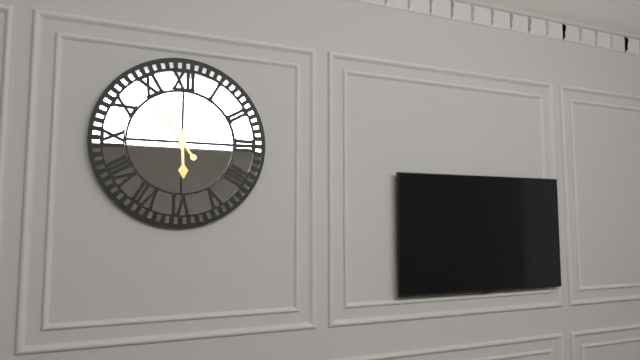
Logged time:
5h54
